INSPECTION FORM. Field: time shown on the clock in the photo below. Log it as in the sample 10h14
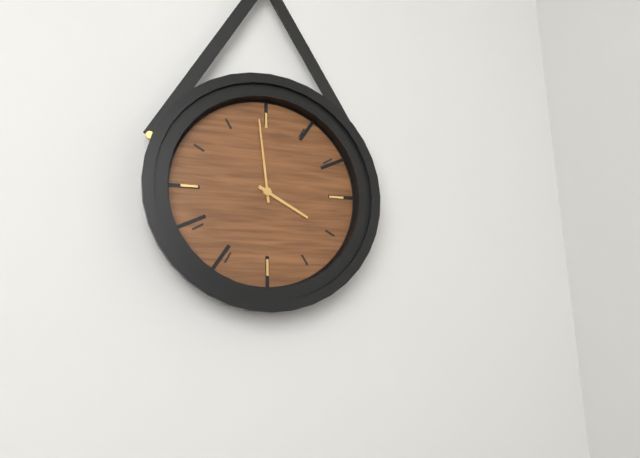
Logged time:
3h59
